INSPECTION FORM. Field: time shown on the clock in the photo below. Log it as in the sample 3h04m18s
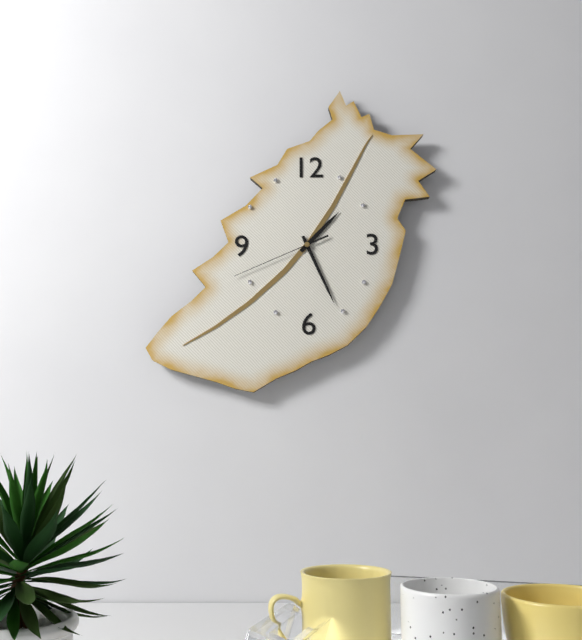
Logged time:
1h26m41s
